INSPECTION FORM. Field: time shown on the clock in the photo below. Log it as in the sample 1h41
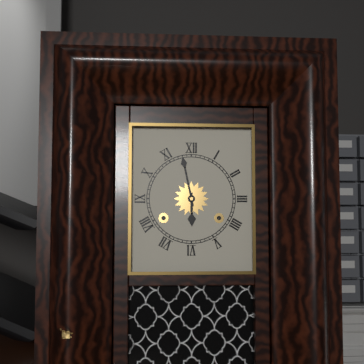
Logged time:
5h58
